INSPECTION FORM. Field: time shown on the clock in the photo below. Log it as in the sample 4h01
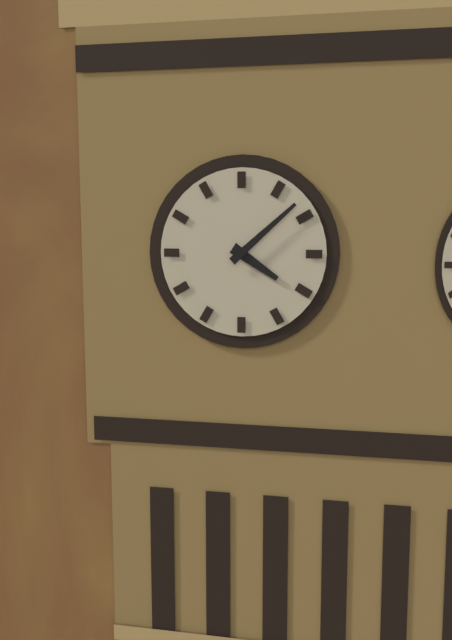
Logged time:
4h08
